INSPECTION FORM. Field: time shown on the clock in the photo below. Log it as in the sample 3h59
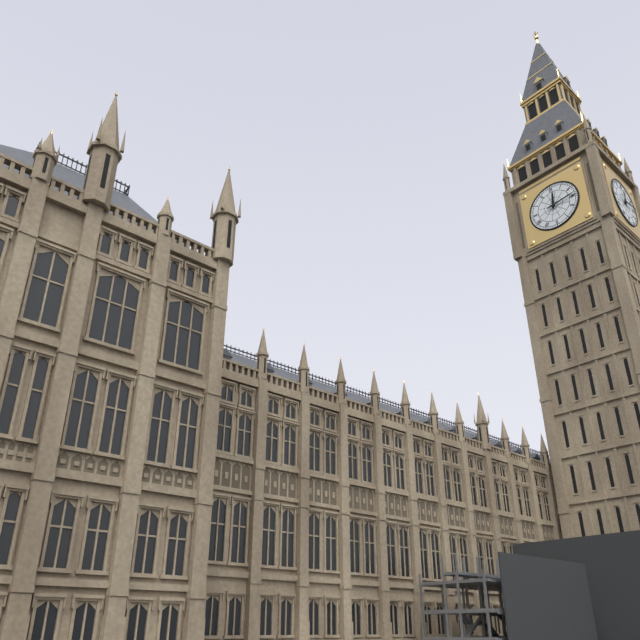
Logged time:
12h14
